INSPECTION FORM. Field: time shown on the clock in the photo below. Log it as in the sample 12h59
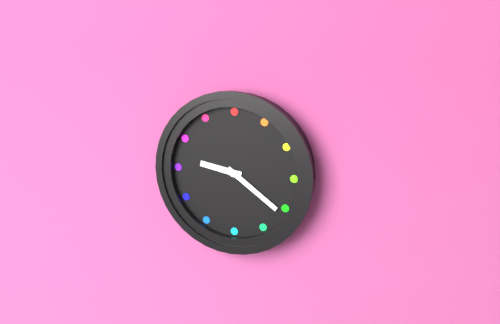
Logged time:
9h21
